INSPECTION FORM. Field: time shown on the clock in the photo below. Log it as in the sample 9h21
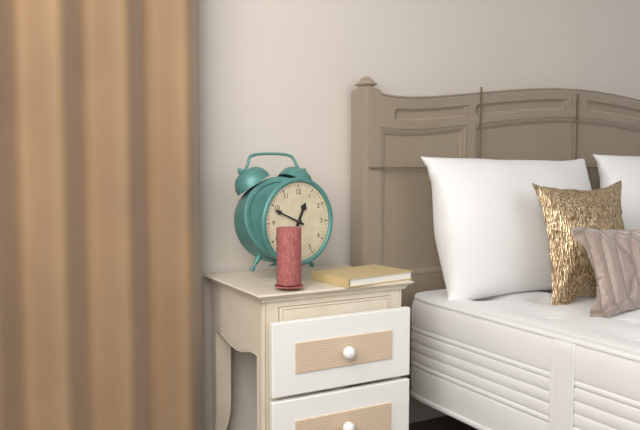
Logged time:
12h49
